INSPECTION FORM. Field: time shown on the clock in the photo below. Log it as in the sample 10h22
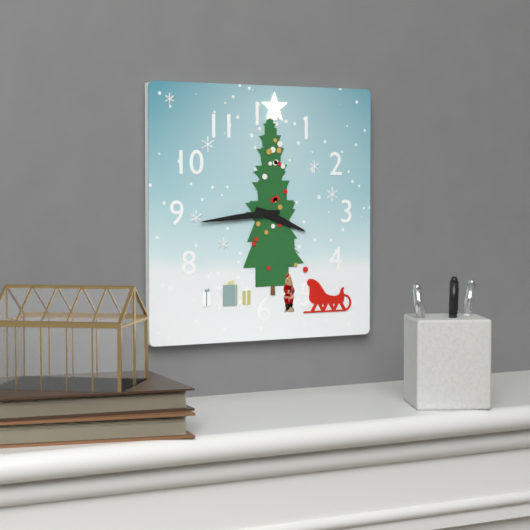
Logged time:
3h44
